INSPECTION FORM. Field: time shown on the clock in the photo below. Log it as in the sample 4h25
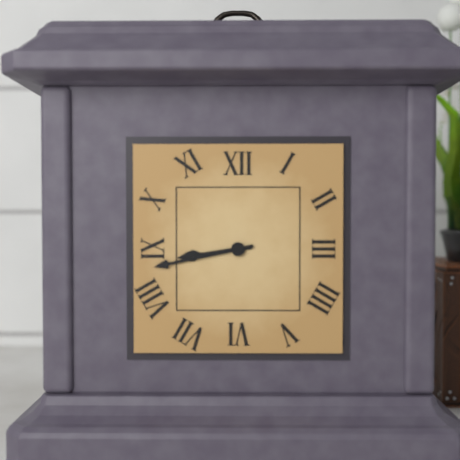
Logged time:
8h43
